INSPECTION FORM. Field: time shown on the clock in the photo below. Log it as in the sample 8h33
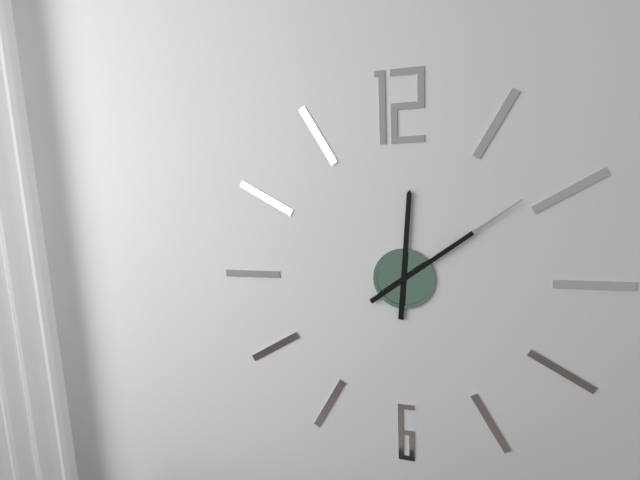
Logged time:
12h09
